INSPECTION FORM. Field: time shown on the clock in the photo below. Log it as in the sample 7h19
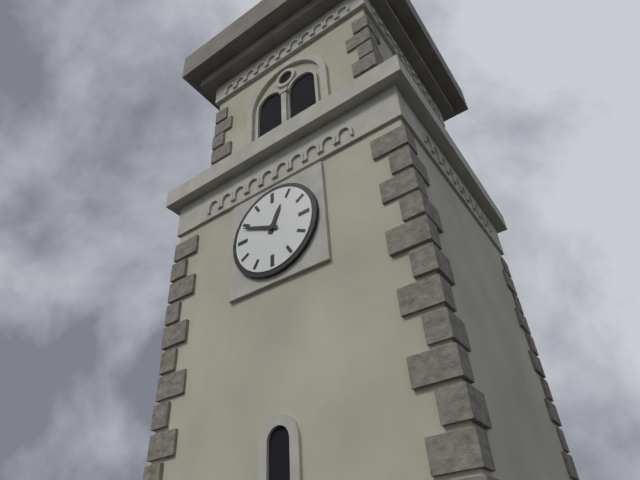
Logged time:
12h49
